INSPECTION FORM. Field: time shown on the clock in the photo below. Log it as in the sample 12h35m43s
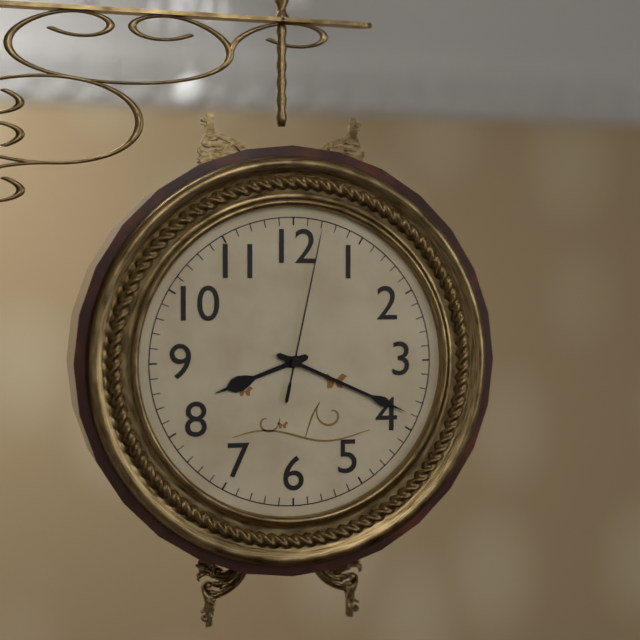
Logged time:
8h19m02s
